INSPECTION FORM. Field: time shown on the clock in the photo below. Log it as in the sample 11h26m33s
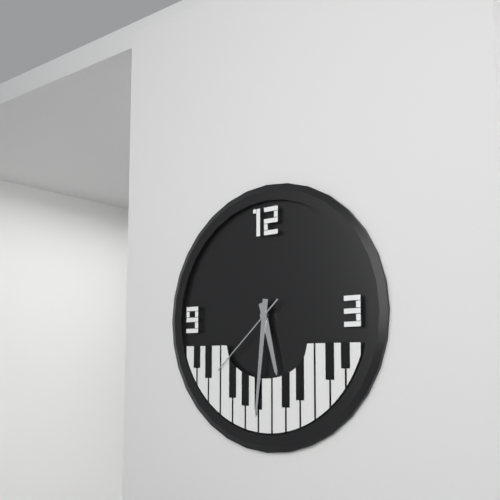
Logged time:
5h31m38s
